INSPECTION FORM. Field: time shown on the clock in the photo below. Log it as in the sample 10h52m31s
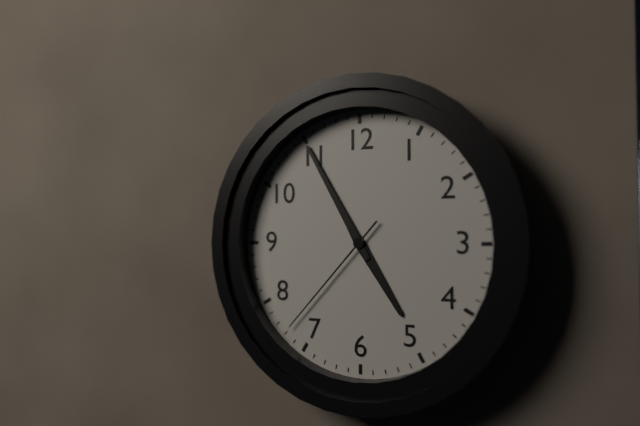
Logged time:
4h55m37s
